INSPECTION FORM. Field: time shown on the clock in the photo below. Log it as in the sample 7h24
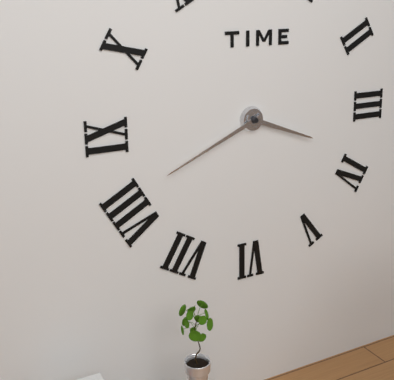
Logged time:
3h41
